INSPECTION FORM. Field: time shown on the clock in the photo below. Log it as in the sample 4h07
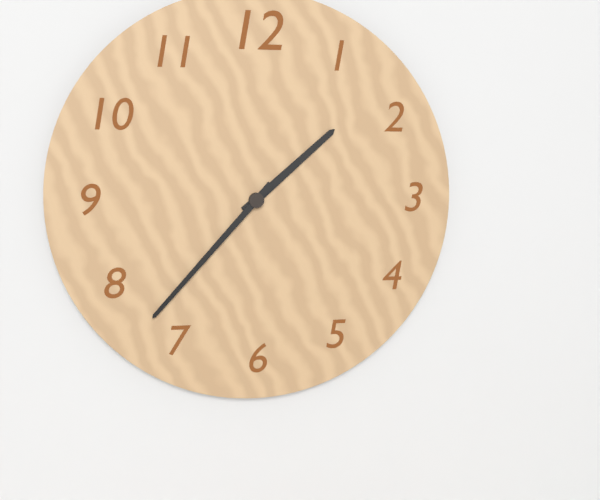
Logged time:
1h37
